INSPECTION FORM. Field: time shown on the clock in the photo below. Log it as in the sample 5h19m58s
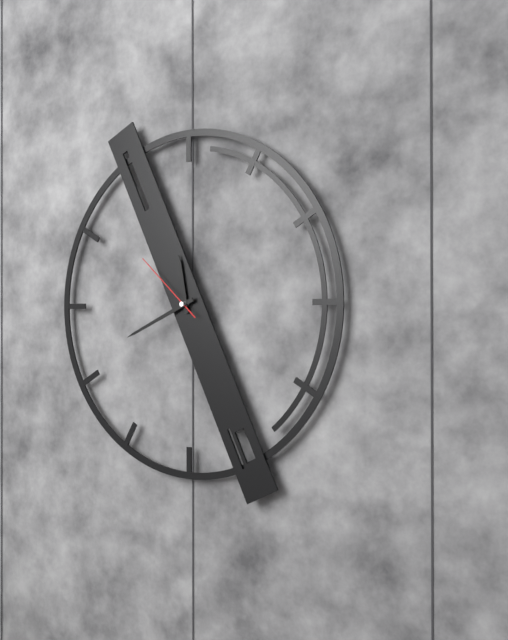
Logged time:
11h41m52s
